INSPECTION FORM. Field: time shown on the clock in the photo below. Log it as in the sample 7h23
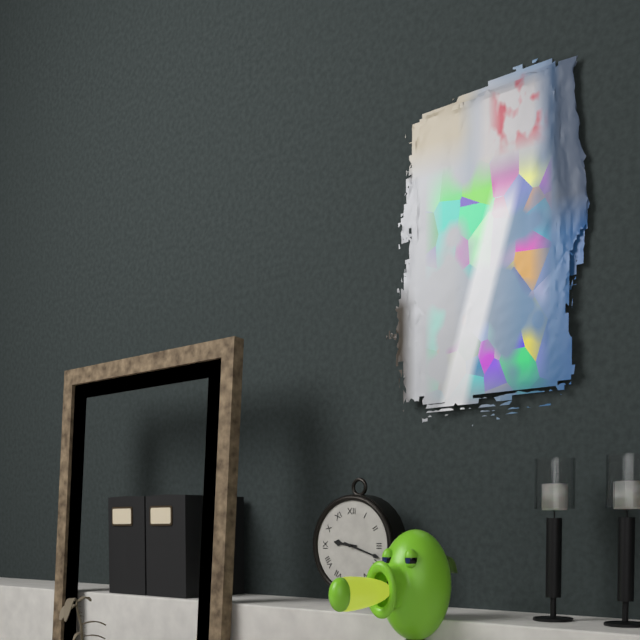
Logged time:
9h18
